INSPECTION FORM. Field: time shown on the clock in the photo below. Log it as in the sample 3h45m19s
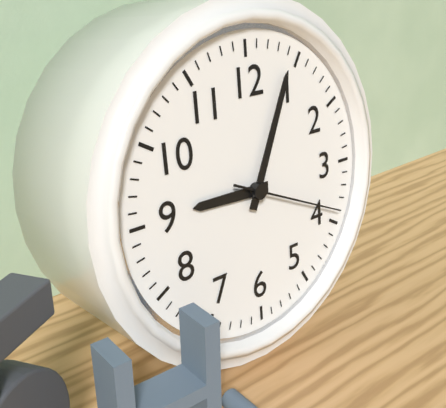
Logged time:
9h04m19s
